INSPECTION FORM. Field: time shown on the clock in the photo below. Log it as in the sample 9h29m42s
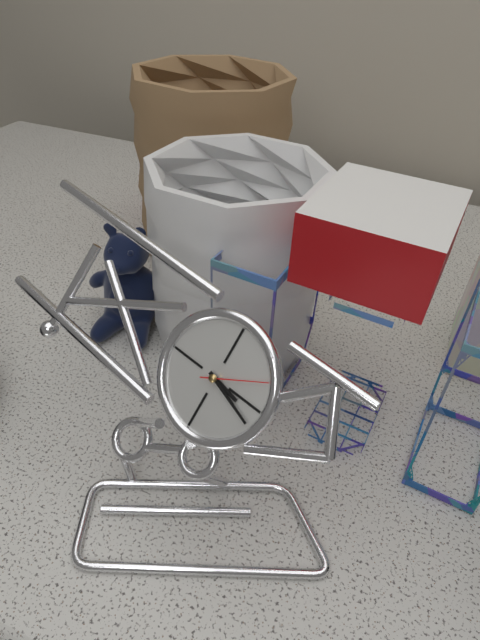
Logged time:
3h18m10s
